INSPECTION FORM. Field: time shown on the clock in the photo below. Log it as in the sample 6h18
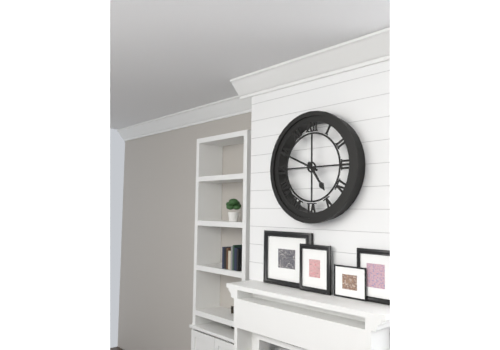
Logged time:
4h49
